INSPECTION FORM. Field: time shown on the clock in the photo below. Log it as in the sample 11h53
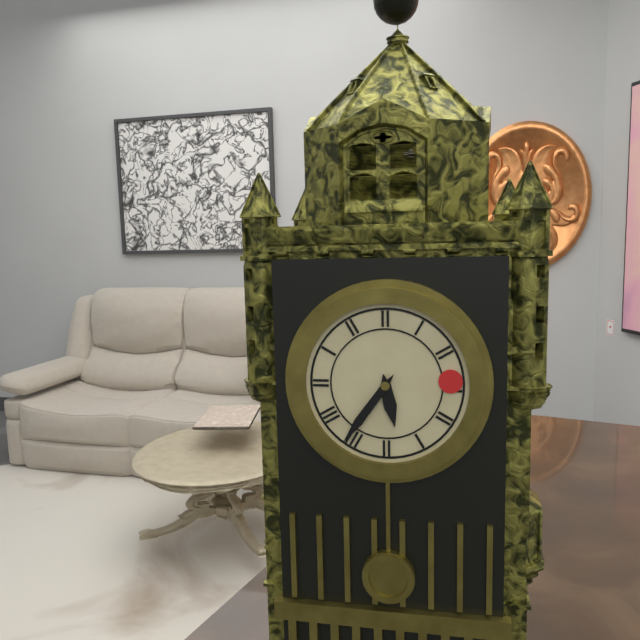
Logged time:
5h36
